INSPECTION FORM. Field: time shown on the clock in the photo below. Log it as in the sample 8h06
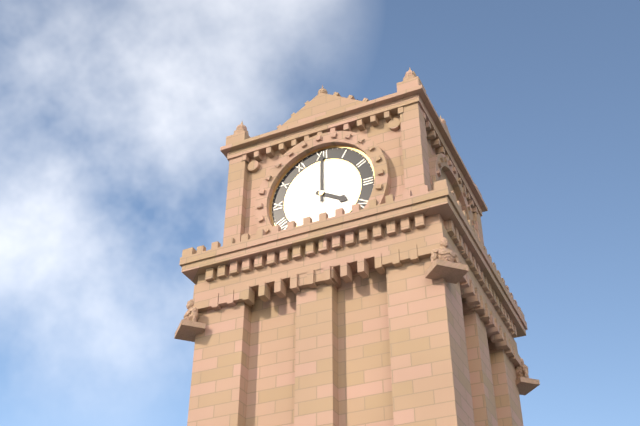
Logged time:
4h00
